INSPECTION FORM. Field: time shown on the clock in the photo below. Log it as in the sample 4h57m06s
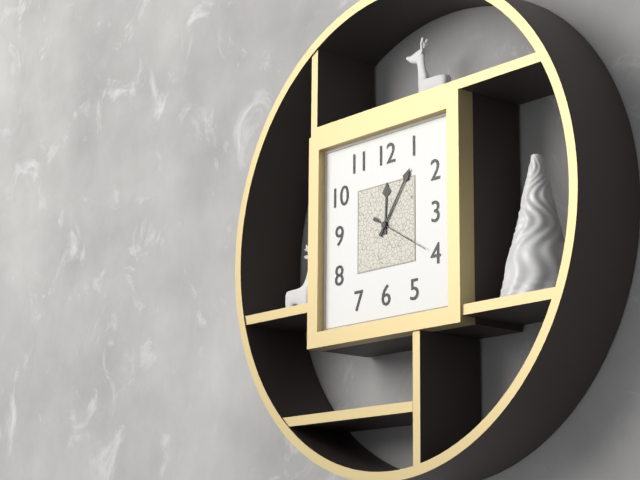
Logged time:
12h06m20s
